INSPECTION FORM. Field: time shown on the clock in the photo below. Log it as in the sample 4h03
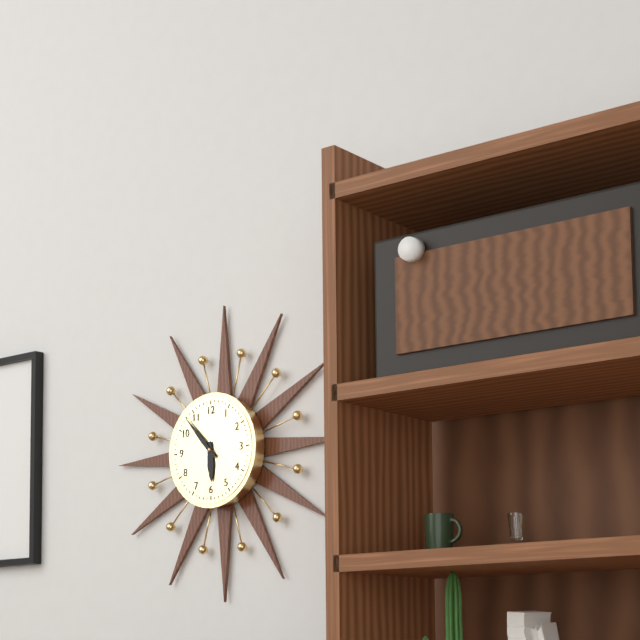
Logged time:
5h53
